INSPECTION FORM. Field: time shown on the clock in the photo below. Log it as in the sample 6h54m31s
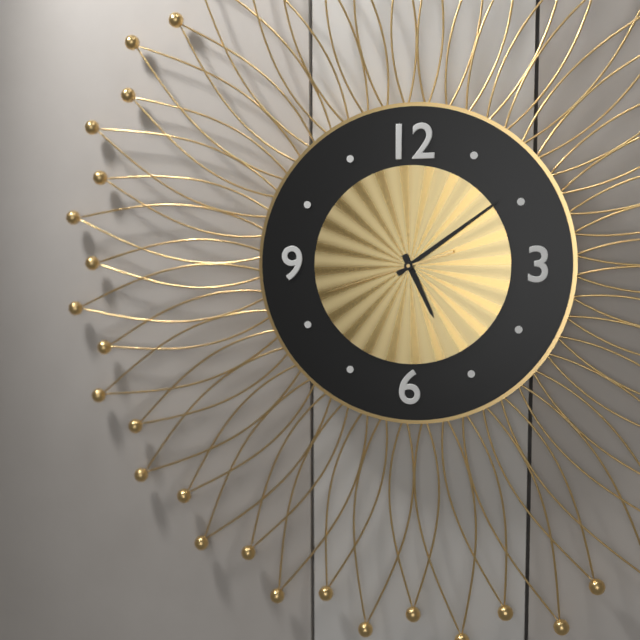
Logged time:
5h09m42s
